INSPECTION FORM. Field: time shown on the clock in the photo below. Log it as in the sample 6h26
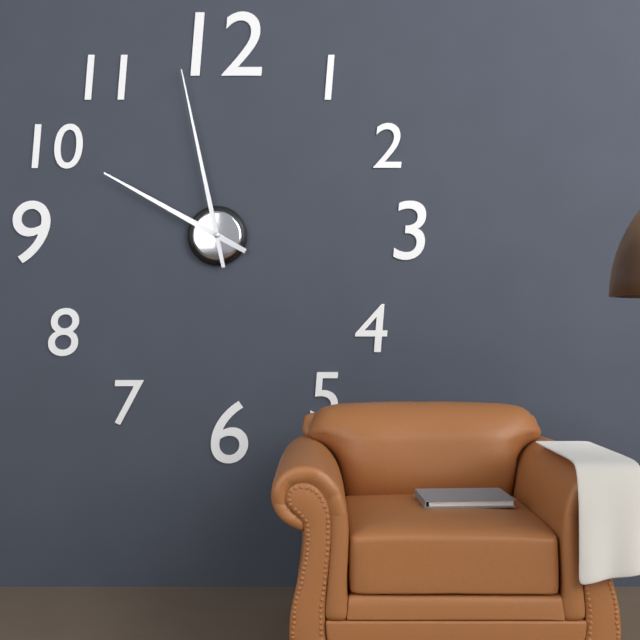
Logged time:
9h58
